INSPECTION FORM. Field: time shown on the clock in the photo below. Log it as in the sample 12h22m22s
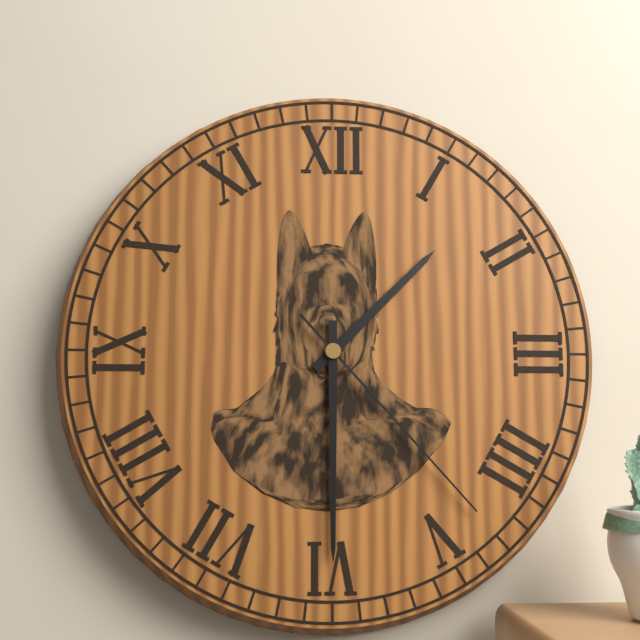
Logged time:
1h30m23s
